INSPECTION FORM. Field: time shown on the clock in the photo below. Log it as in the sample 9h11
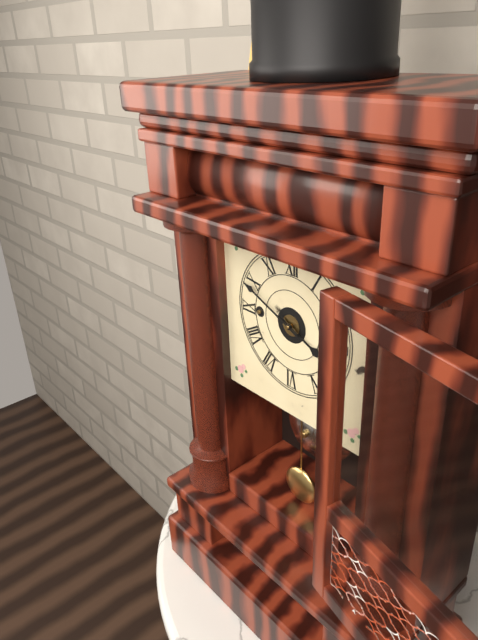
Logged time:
3h49
